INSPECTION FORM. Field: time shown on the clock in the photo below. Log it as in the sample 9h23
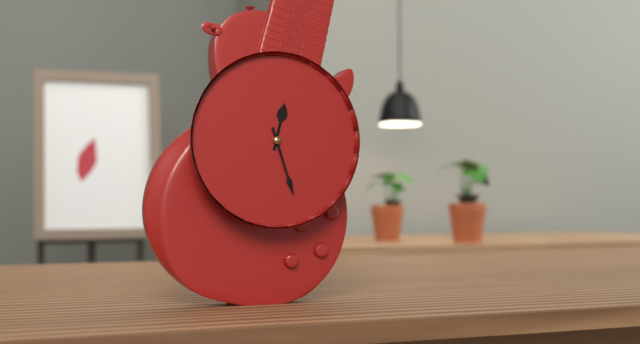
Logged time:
12h27
